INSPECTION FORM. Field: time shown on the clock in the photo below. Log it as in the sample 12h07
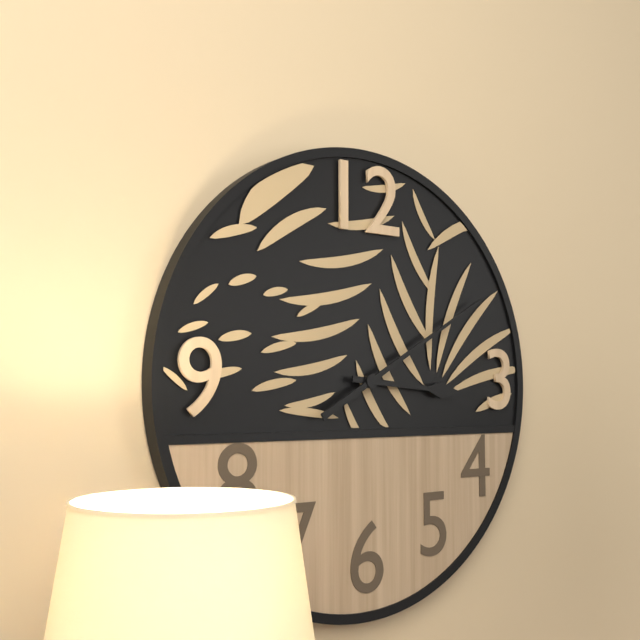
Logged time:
3h10
